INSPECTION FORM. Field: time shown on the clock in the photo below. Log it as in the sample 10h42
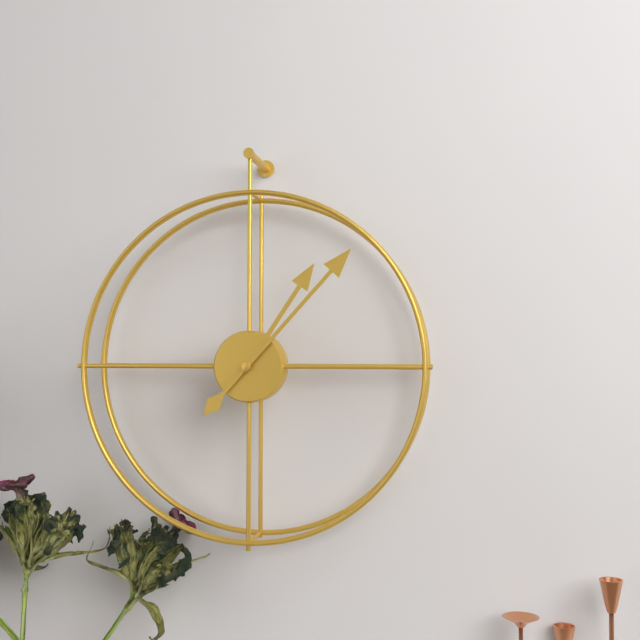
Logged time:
1h07
